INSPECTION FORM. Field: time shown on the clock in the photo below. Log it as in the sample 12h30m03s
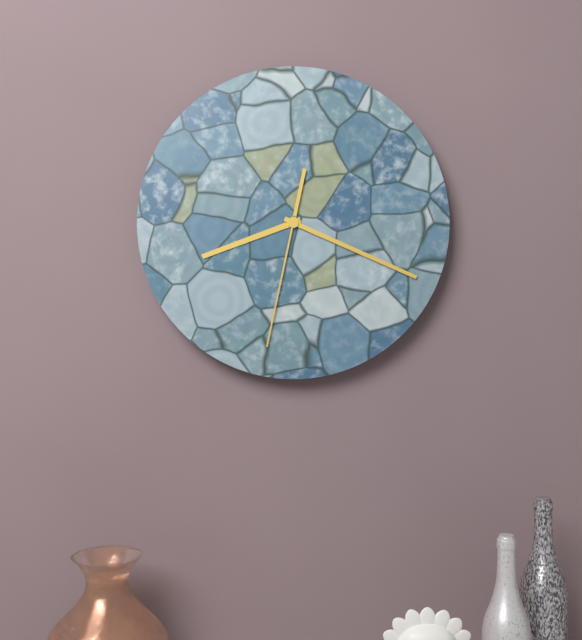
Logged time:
8h19m32s
